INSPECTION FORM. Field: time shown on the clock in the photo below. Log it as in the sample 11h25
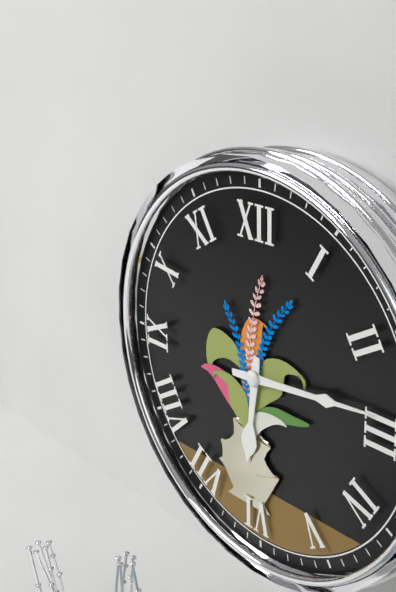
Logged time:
6h14
